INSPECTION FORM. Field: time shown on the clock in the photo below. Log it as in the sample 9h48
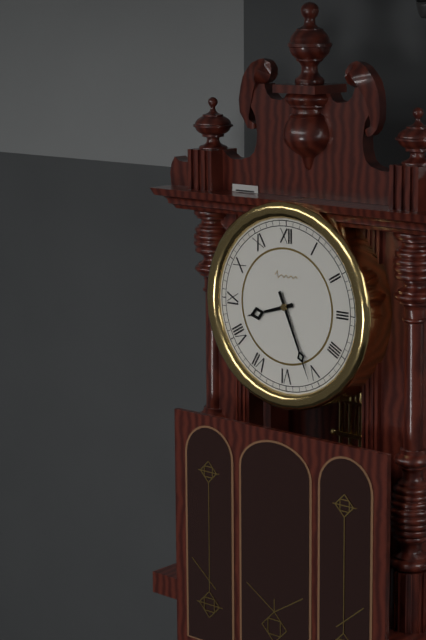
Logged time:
8h26
